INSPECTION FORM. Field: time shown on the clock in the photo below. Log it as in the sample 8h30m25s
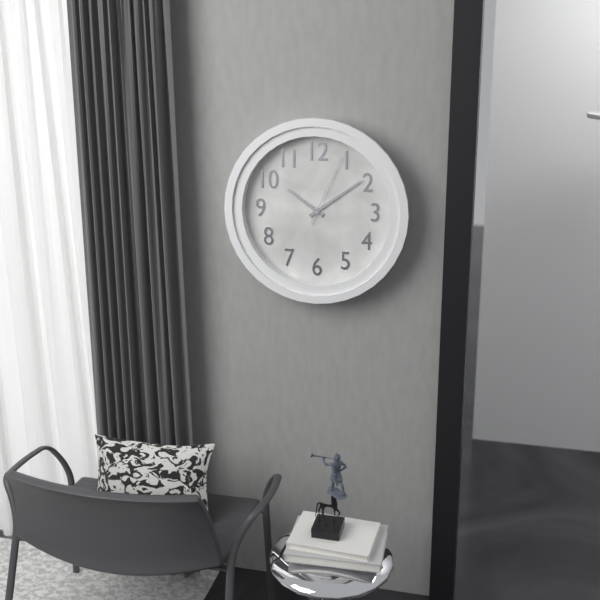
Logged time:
10h09m04s
